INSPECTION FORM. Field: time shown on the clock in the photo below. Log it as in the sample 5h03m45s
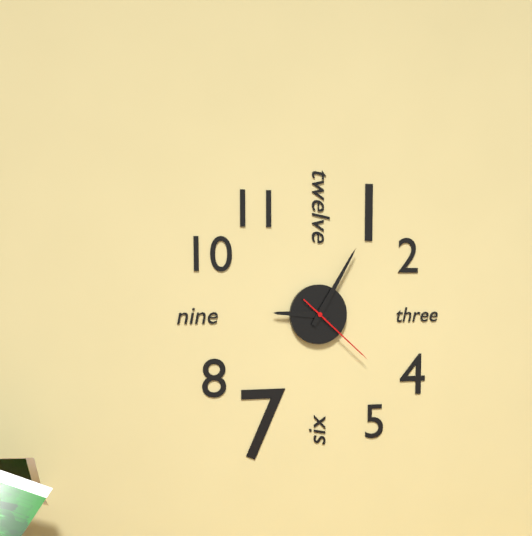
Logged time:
9h05m22s
